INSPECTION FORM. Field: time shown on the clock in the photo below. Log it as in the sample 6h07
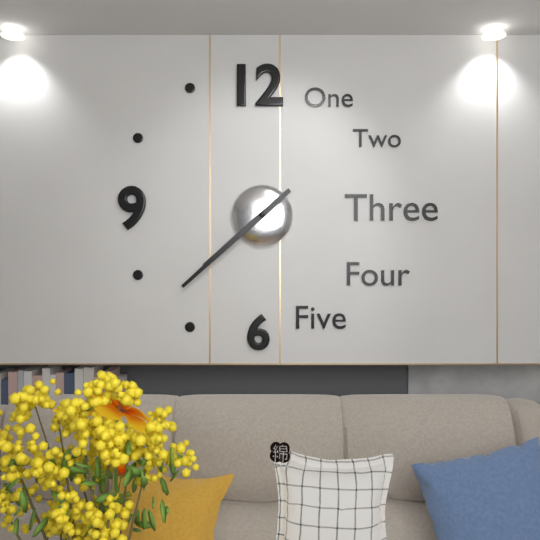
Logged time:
7h38
